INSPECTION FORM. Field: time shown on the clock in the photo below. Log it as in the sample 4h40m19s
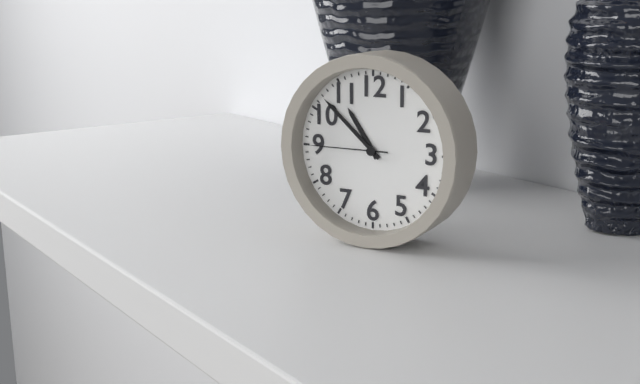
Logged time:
10h52m45s
